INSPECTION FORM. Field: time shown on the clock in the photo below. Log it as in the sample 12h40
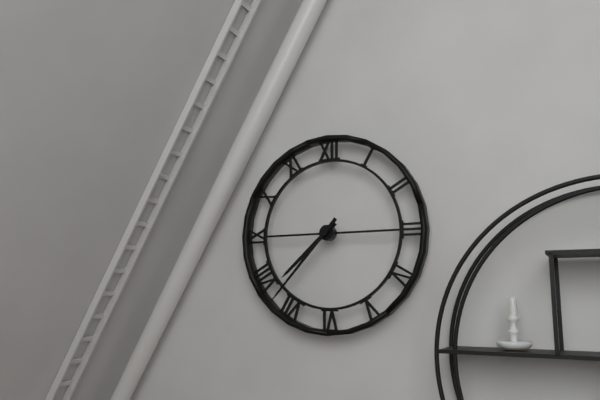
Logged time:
7h37
